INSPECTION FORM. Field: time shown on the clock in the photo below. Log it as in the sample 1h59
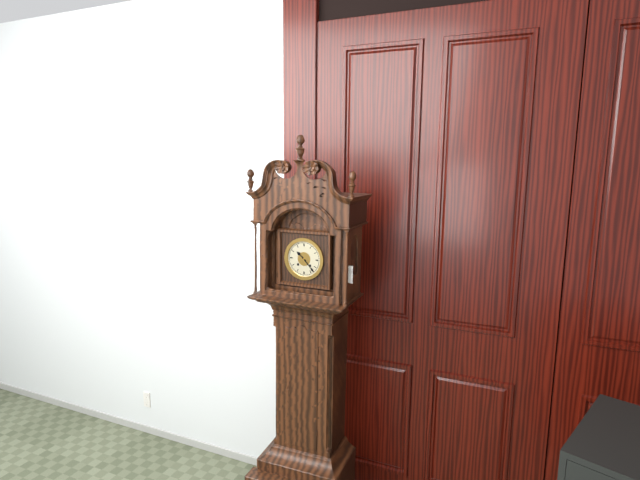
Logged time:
10h23
